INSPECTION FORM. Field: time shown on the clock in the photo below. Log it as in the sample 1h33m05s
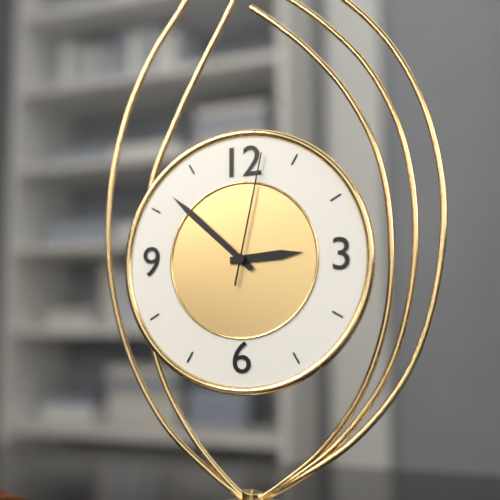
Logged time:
2h52m02s
